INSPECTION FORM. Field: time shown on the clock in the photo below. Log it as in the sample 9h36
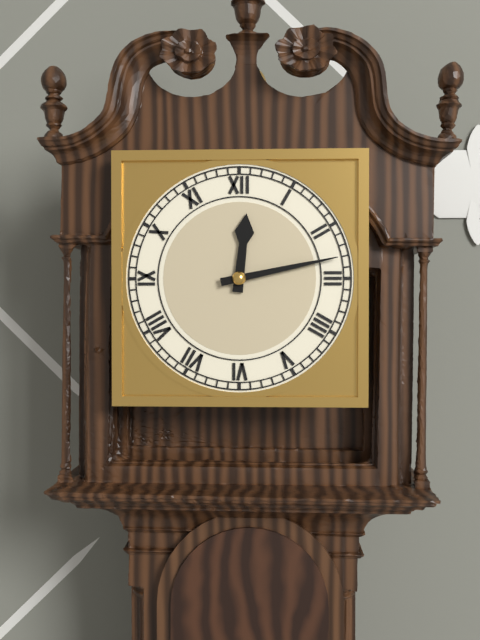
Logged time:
12h13
